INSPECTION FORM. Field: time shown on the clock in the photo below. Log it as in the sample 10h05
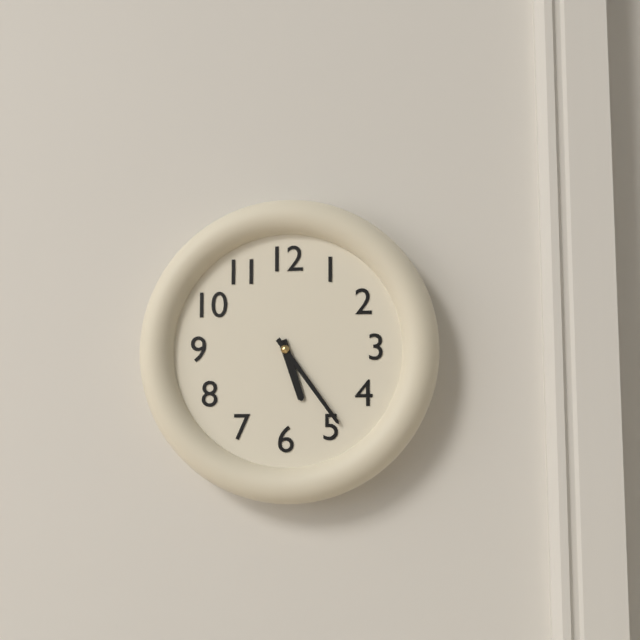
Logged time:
5h24
